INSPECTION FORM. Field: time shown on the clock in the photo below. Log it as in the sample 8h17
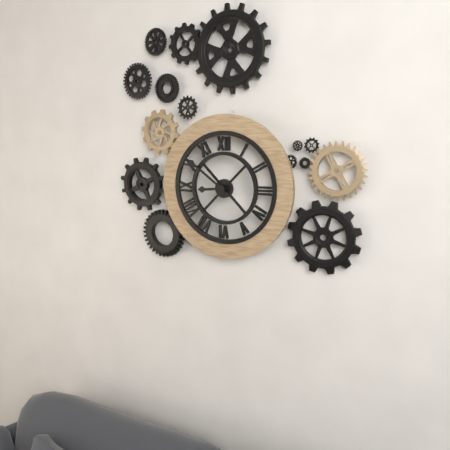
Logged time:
8h51
